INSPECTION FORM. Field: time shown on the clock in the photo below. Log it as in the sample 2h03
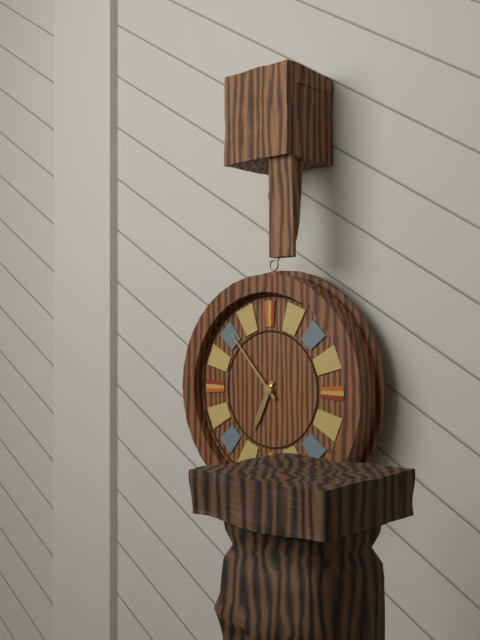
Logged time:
6h53
